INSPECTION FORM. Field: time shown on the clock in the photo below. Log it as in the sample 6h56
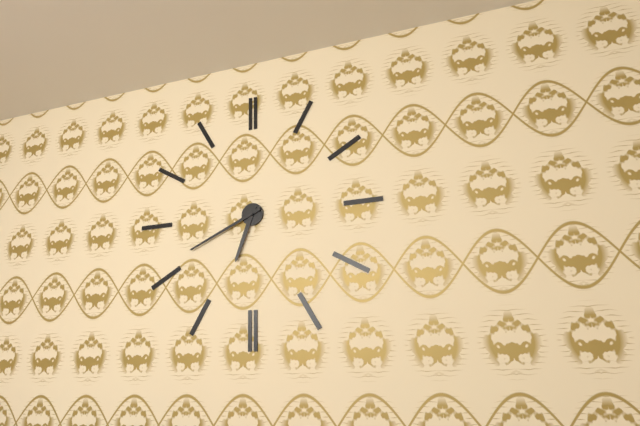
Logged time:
6h41
